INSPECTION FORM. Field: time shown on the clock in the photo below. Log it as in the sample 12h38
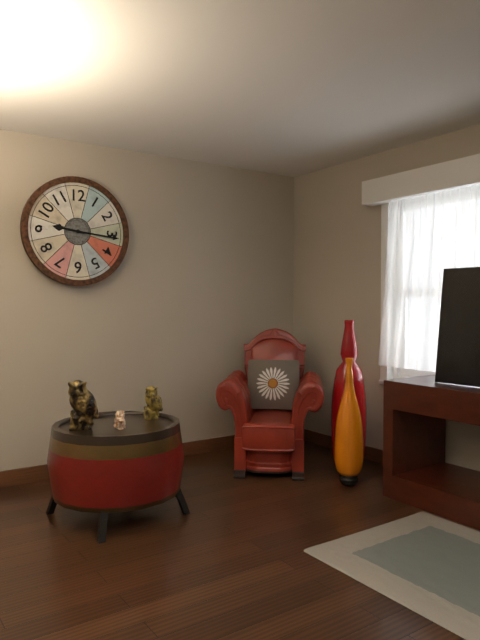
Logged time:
9h16
